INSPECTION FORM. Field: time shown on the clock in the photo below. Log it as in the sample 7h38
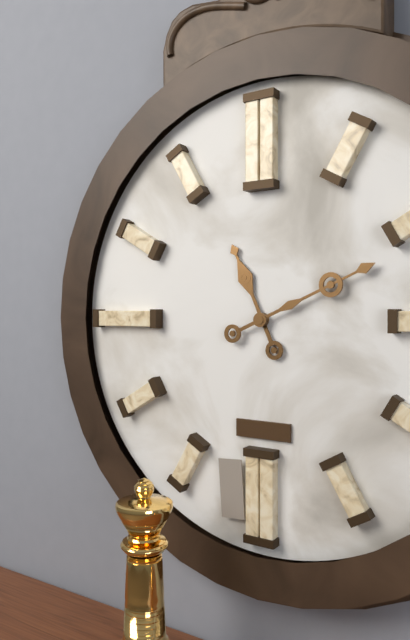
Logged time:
11h11
